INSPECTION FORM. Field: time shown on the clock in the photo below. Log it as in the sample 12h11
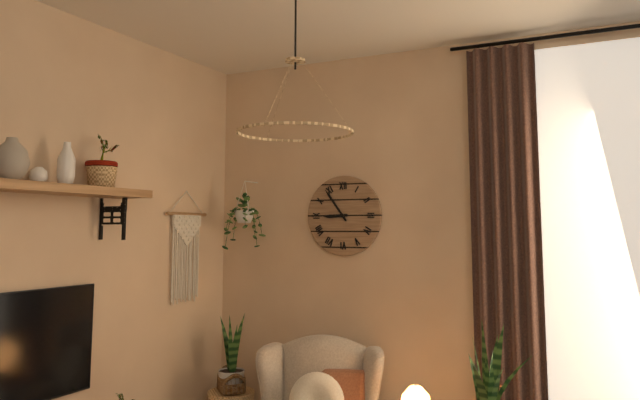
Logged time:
8h54
